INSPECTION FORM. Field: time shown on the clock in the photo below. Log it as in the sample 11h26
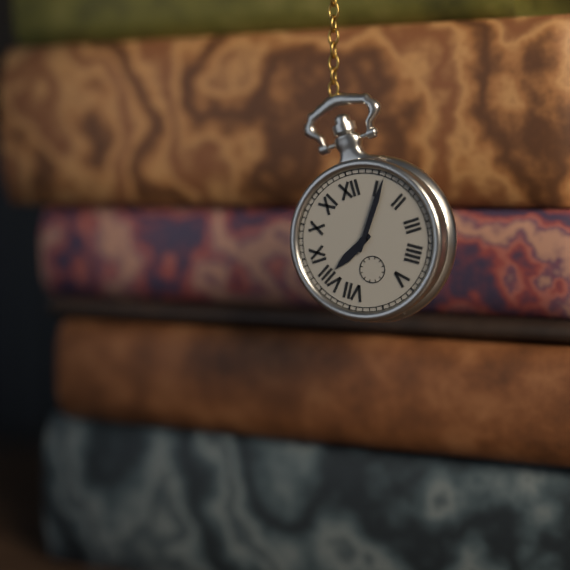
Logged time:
8h06
